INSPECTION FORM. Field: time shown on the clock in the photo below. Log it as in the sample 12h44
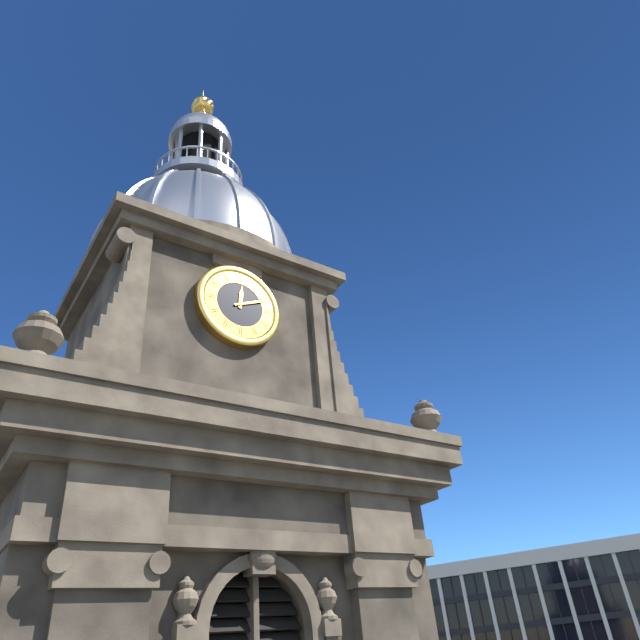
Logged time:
12h11
